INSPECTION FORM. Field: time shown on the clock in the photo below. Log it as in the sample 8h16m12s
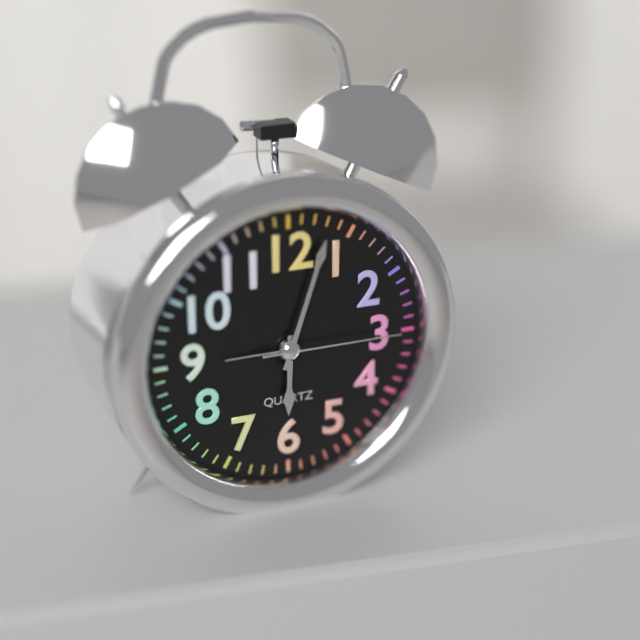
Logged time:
6h03m15s
